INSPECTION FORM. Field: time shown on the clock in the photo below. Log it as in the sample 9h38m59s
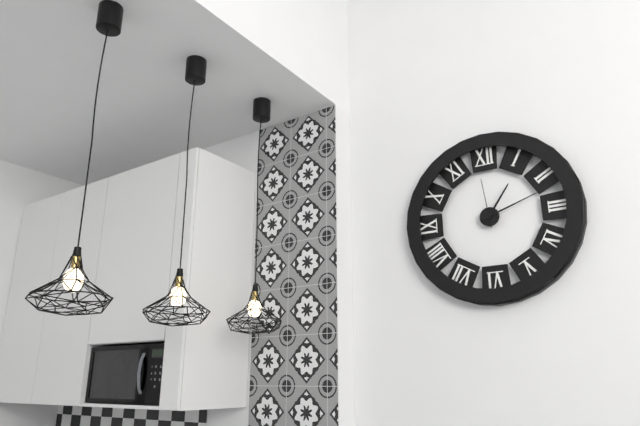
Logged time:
1h12m59s
